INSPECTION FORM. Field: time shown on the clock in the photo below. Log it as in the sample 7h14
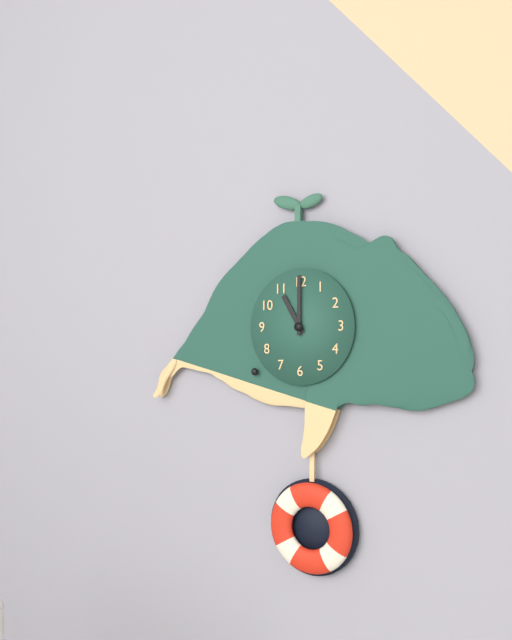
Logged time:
11h00
